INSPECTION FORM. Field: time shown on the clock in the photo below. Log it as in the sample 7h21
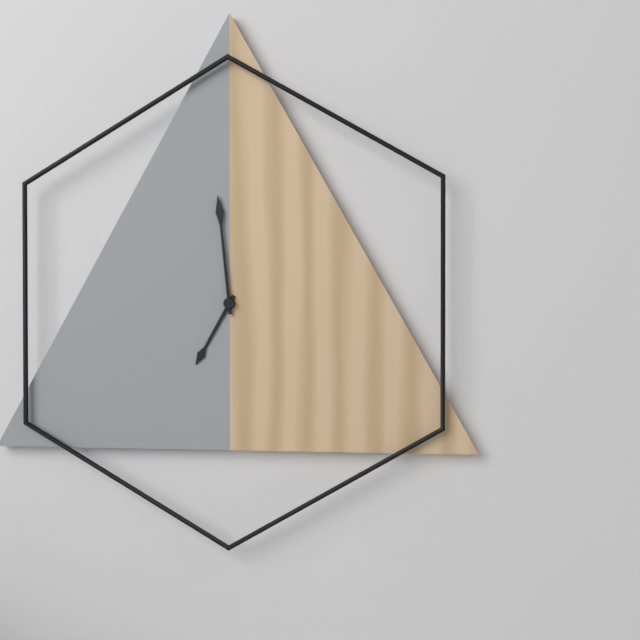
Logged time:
6h59
